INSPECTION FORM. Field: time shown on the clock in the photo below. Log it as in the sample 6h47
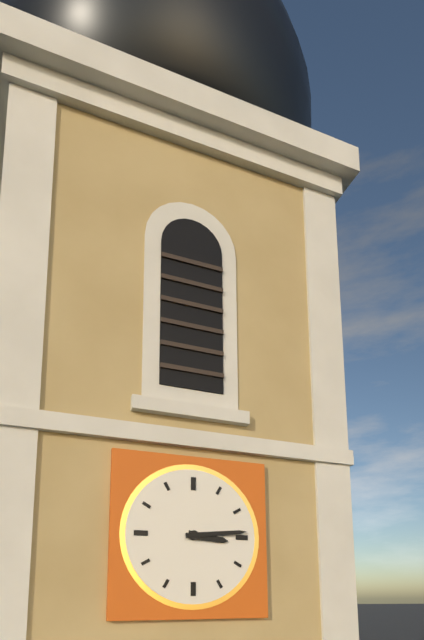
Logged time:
3h14
